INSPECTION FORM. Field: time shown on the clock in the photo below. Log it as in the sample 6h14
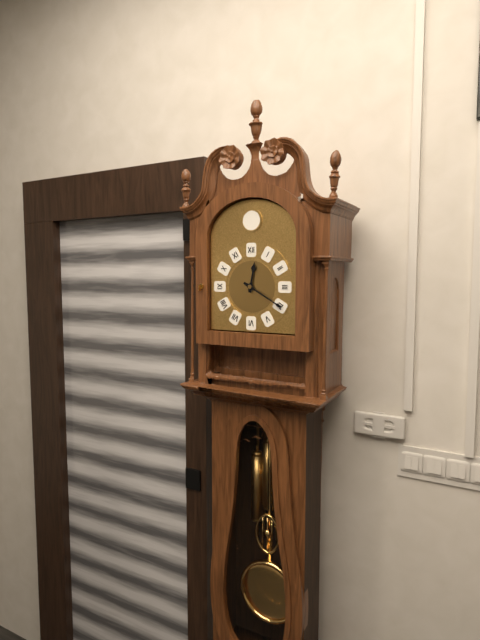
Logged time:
12h20
